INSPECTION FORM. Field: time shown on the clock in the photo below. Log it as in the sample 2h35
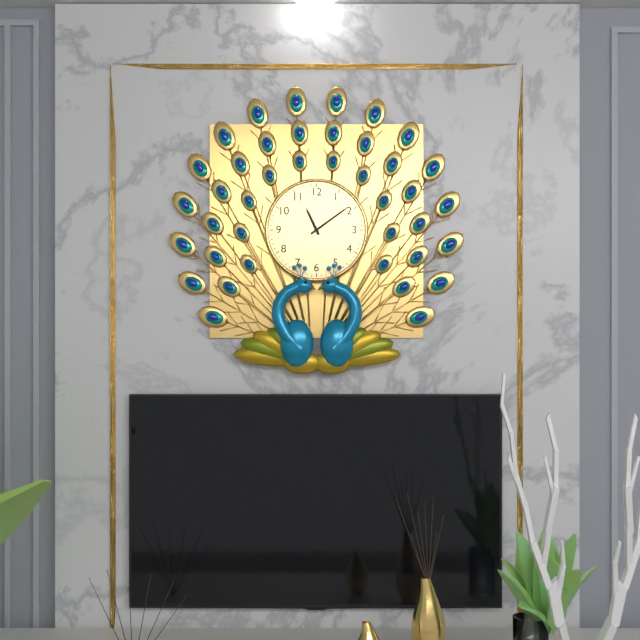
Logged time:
11h09
